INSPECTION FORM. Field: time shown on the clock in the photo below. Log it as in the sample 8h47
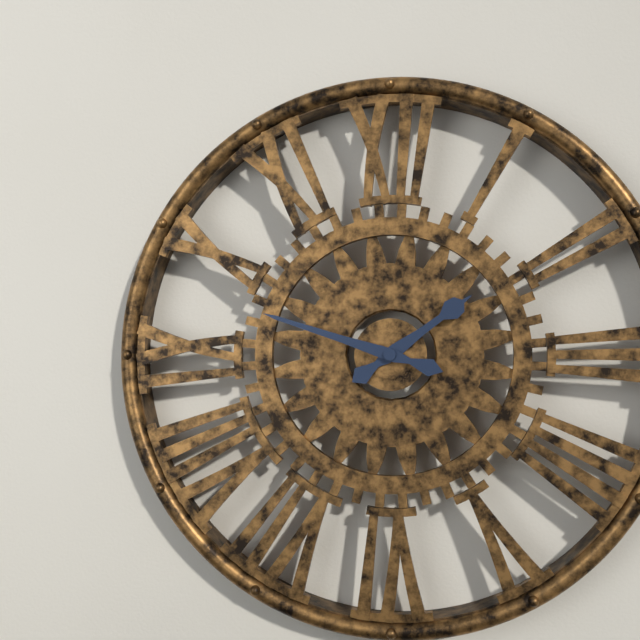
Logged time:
1h48
